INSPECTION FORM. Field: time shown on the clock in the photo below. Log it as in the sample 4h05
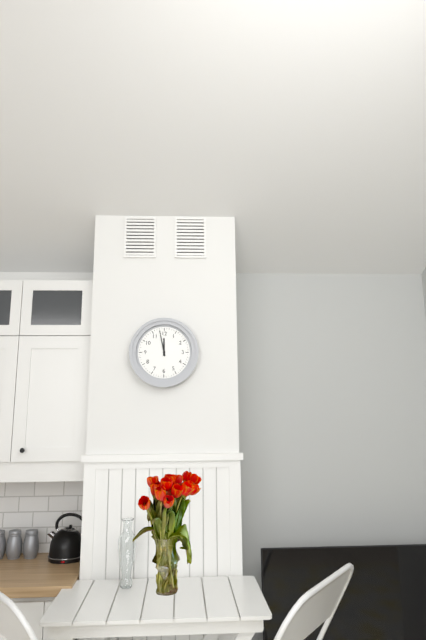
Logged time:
11h58
